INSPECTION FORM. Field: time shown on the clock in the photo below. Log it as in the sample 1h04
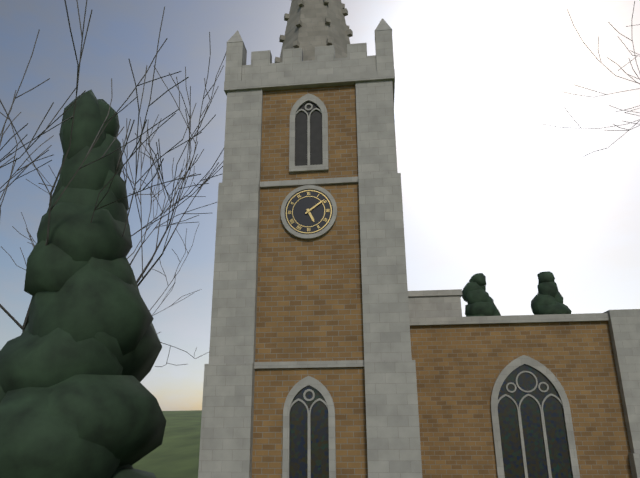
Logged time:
5h09
